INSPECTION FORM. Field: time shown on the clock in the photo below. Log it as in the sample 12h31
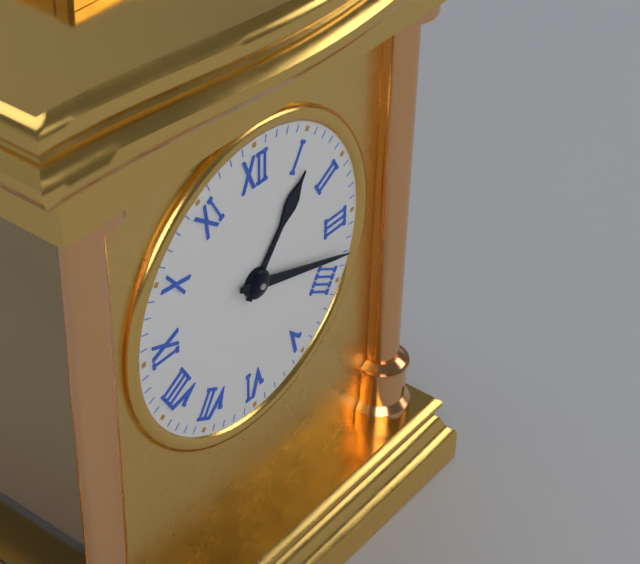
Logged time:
1h18
